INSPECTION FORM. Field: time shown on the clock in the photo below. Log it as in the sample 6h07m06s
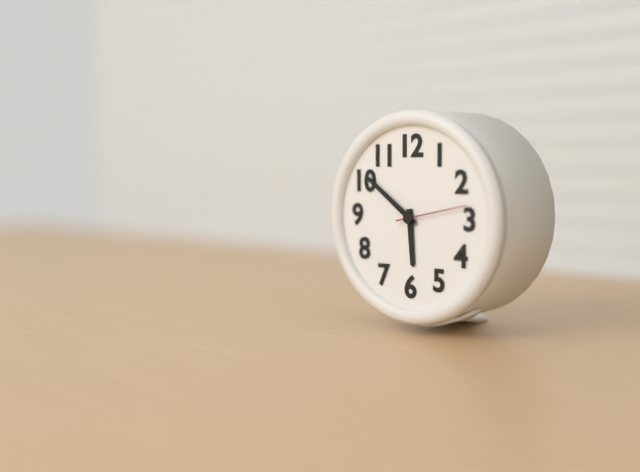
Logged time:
5h51m13s
